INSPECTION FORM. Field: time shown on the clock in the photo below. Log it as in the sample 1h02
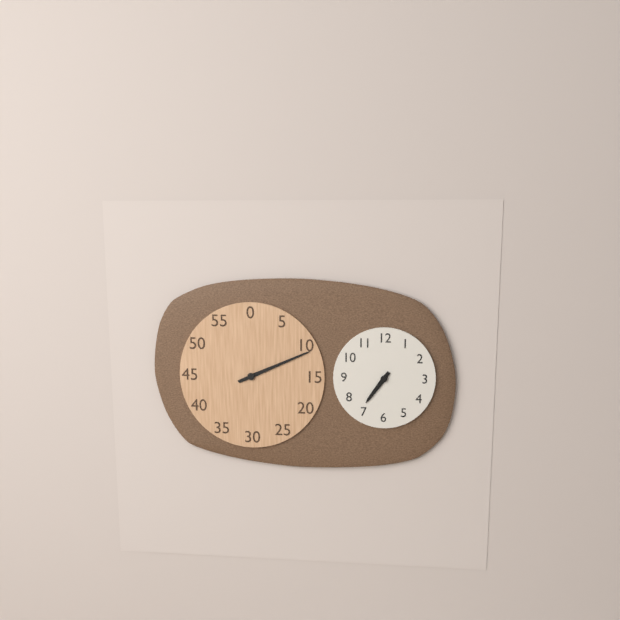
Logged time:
7h11
